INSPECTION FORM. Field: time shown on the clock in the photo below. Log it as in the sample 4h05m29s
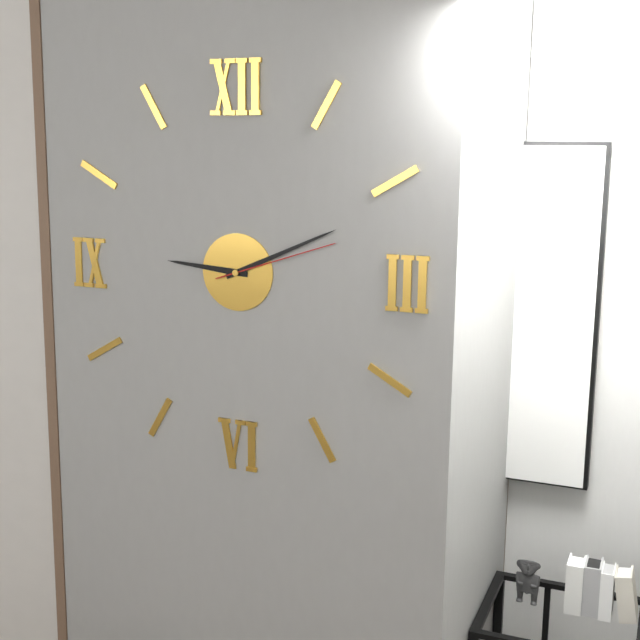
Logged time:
9h11m12s
